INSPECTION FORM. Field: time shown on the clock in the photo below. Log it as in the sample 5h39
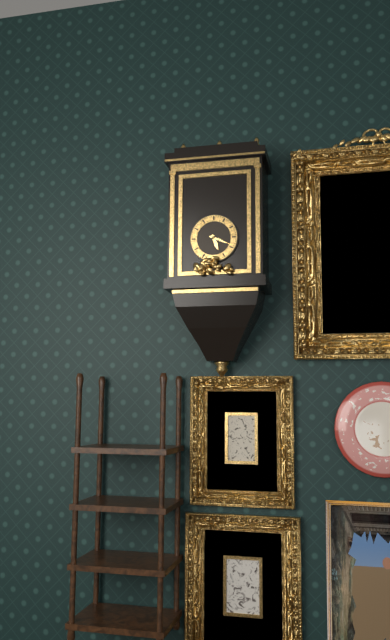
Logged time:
5h19
